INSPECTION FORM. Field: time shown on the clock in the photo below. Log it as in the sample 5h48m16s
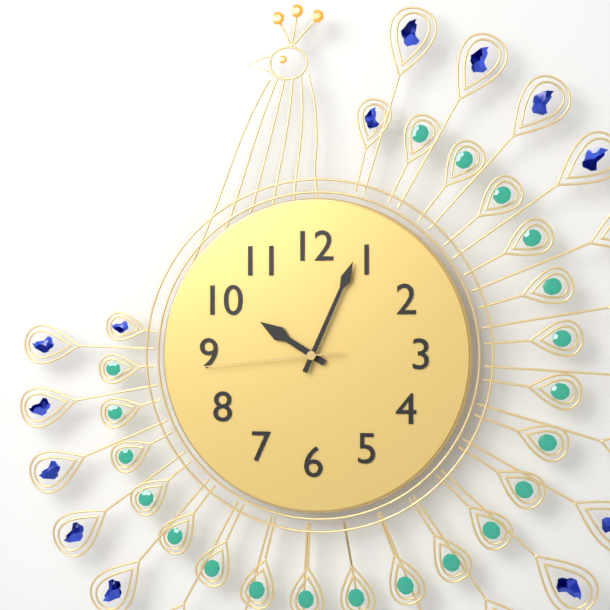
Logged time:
10h04m44s
